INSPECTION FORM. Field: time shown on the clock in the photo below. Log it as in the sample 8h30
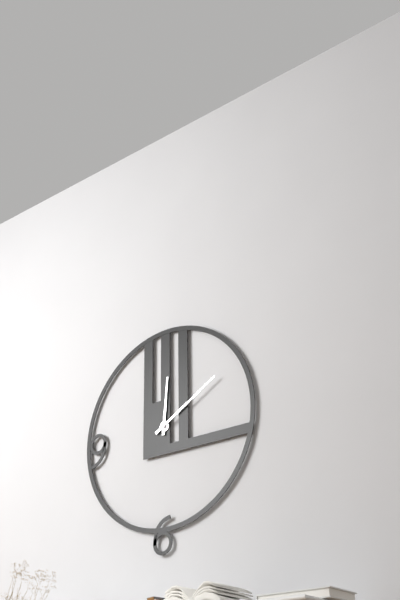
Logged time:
12h10
